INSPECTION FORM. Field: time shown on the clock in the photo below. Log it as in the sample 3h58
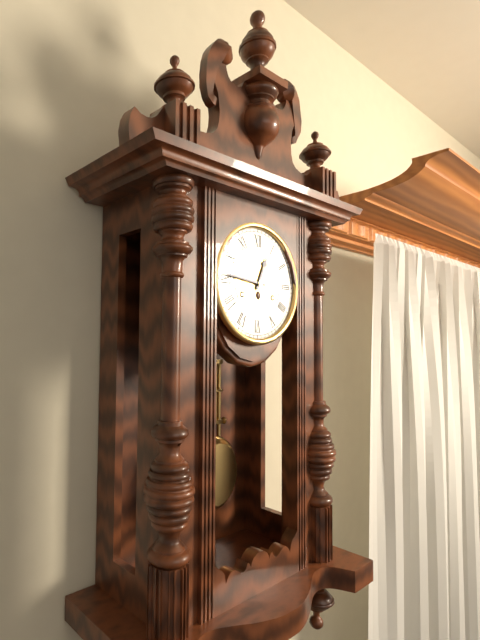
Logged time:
12h46
